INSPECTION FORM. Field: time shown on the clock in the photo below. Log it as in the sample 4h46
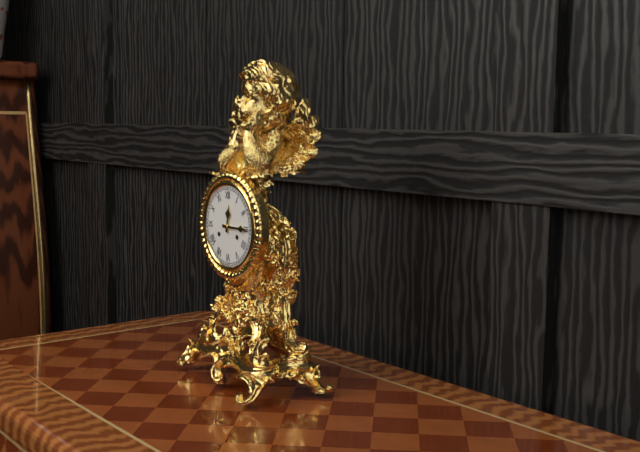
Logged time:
12h15
